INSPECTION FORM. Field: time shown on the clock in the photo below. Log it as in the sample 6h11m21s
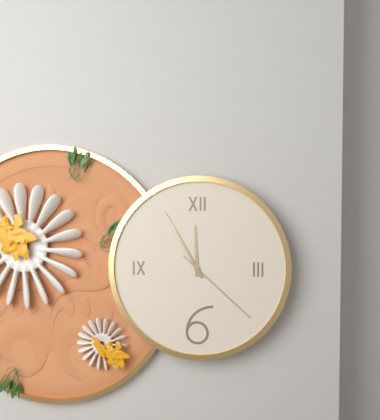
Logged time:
11h55m22s
